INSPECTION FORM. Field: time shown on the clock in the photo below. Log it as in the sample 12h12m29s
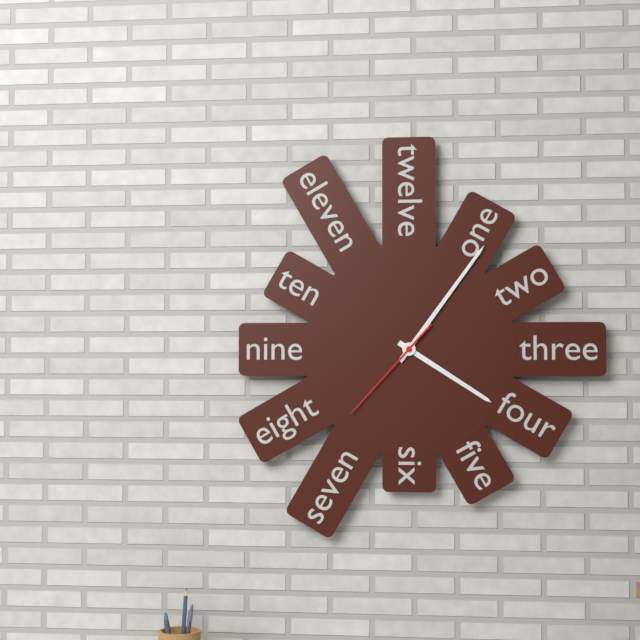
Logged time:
4h06m37s
